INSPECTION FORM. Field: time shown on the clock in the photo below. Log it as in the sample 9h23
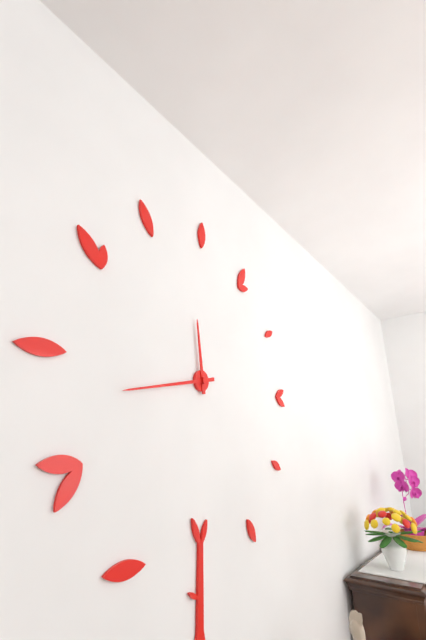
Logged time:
11h43
